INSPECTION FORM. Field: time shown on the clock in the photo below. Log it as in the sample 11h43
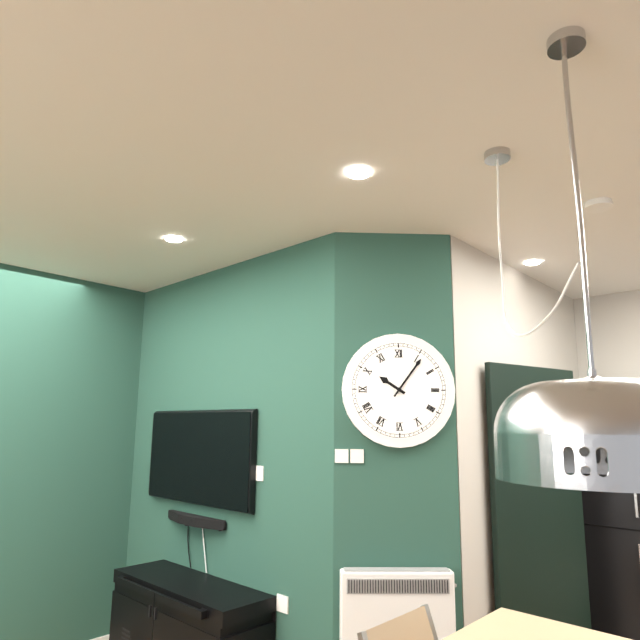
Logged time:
10h06
